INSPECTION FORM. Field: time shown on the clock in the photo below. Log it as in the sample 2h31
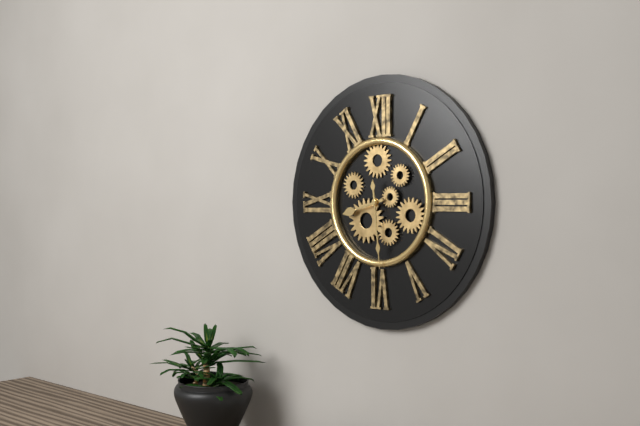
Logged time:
8h29
